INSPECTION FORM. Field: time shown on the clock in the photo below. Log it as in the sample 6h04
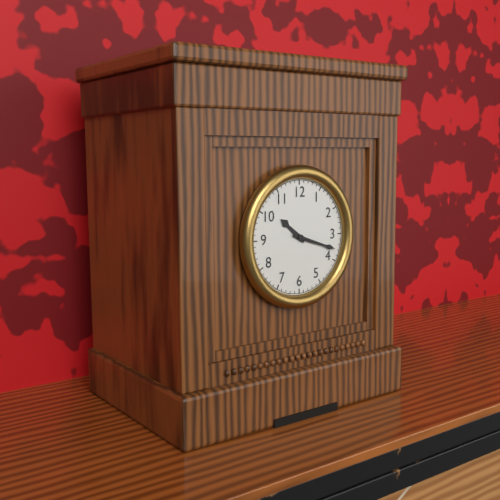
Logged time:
10h18
